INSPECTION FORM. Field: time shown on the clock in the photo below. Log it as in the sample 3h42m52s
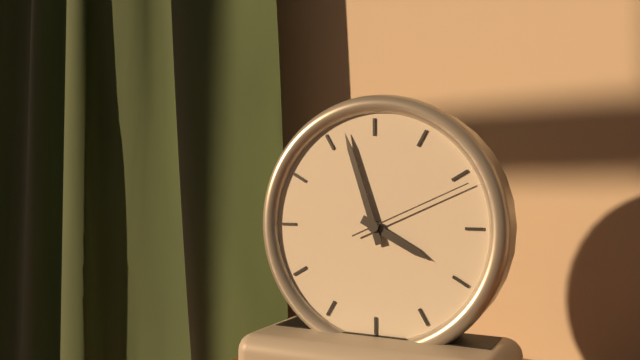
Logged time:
3h57m11s
